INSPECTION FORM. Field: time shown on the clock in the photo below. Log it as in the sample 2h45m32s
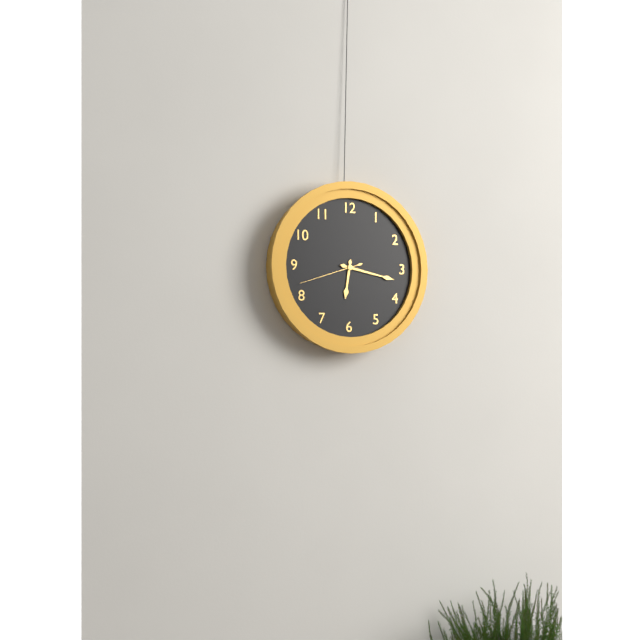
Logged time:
6h17m42s
